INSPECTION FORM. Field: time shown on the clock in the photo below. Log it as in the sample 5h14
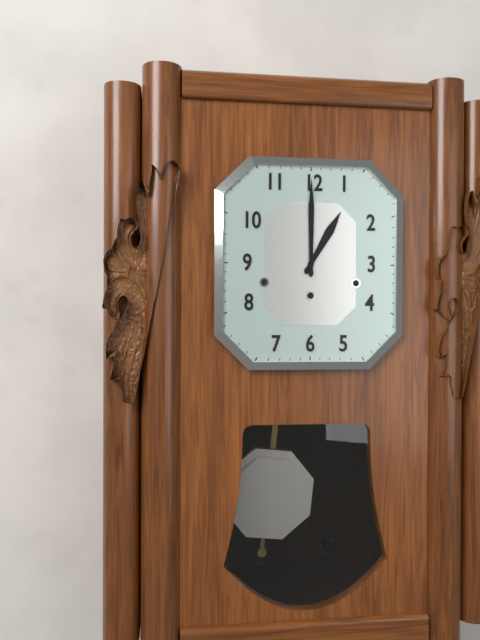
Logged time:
1h00
